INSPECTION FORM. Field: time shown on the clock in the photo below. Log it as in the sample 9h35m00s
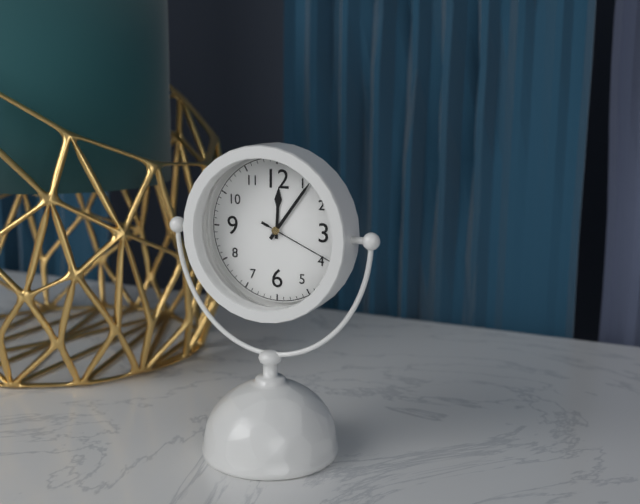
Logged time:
12h06m19s
